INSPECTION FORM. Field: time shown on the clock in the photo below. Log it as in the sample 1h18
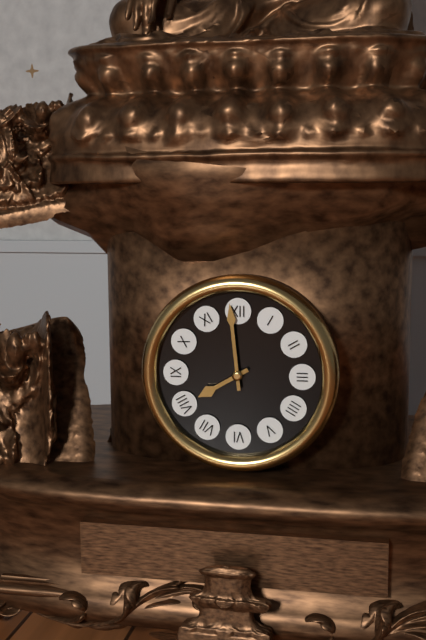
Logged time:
7h59
